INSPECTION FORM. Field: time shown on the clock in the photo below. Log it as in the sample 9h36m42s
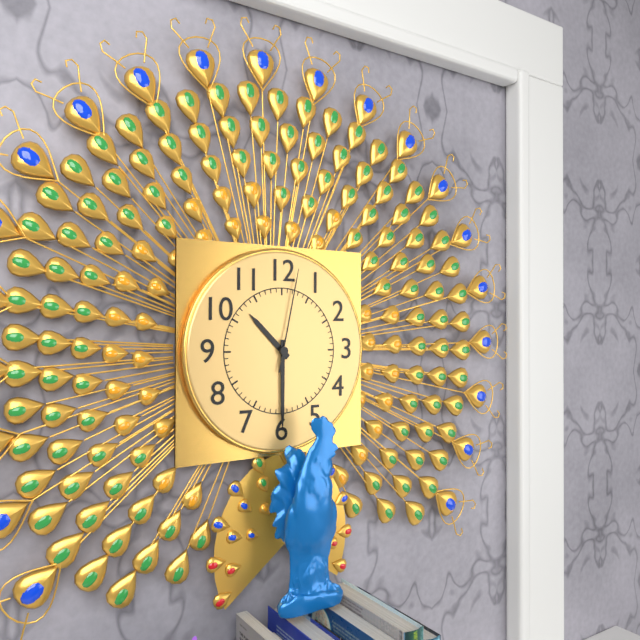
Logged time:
10h30m02s
